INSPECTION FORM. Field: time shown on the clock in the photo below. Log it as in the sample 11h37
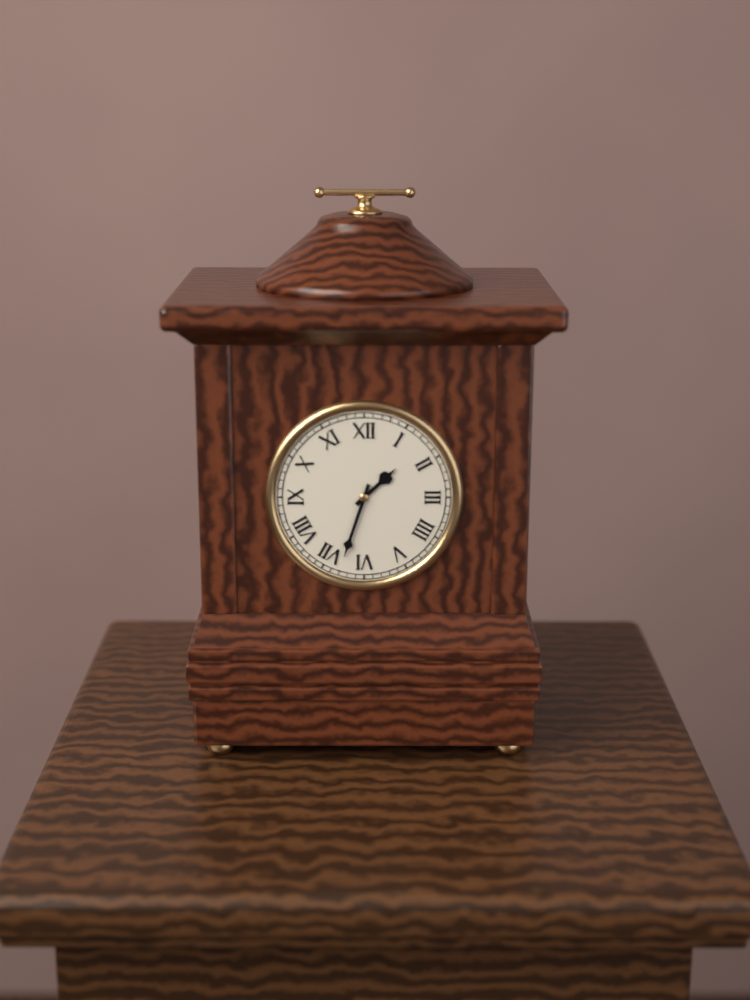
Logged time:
1h33
